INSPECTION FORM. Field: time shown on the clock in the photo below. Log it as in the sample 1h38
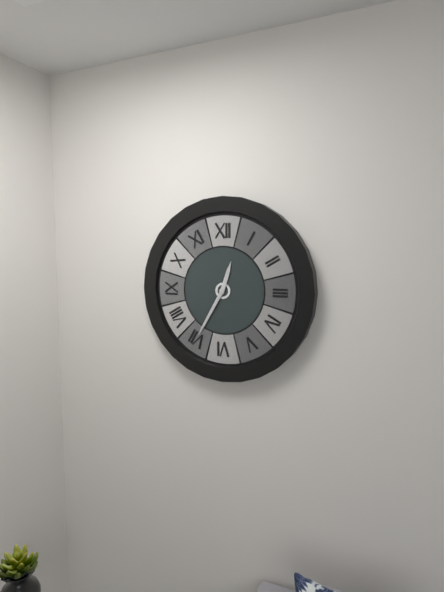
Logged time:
12h35
